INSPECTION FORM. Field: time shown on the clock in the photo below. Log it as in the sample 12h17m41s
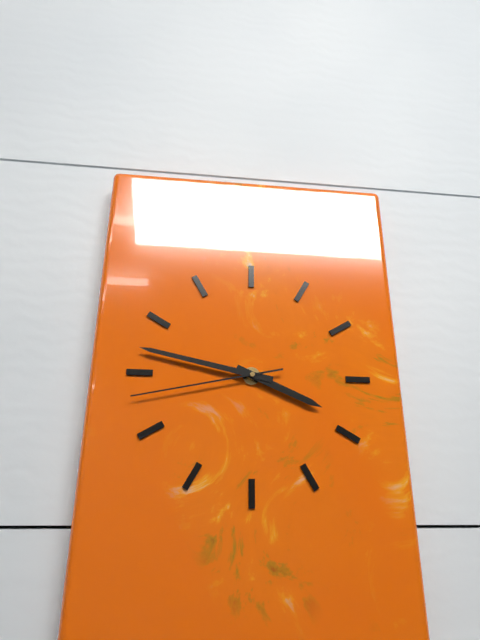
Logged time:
3h47m43s
